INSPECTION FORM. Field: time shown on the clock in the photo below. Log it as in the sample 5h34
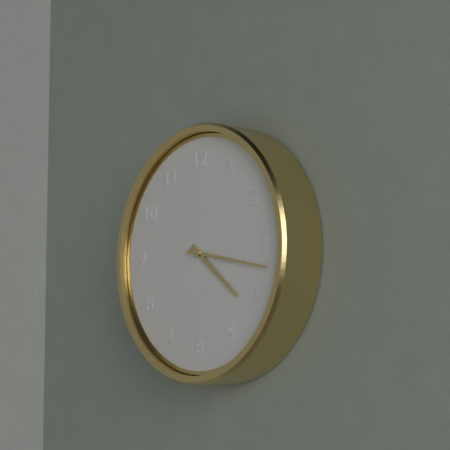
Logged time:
4h17
